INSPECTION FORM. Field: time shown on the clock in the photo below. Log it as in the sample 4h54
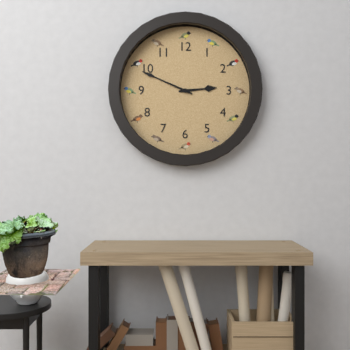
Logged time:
2h49
